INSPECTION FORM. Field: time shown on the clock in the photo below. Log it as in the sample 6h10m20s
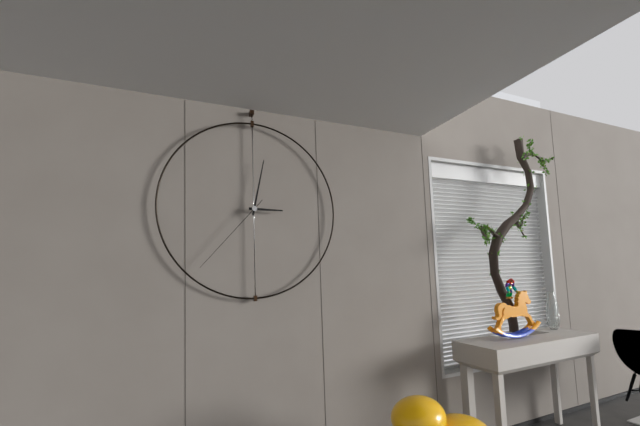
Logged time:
3h02m37s
